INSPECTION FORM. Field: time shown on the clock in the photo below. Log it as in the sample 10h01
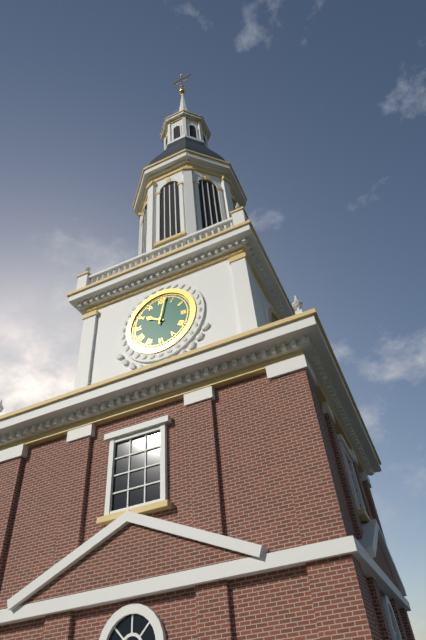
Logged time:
10h02
